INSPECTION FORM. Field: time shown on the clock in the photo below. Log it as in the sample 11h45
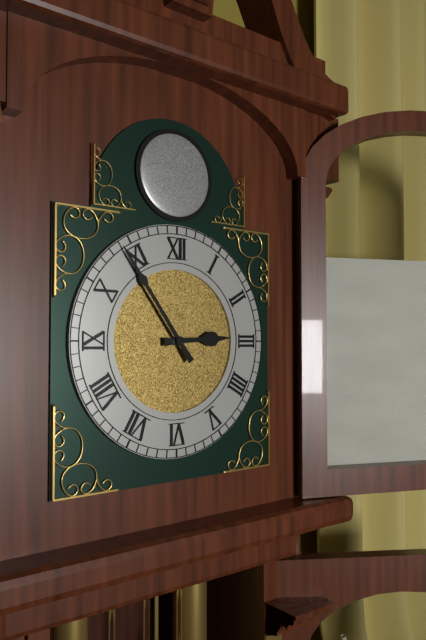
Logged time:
2h54
